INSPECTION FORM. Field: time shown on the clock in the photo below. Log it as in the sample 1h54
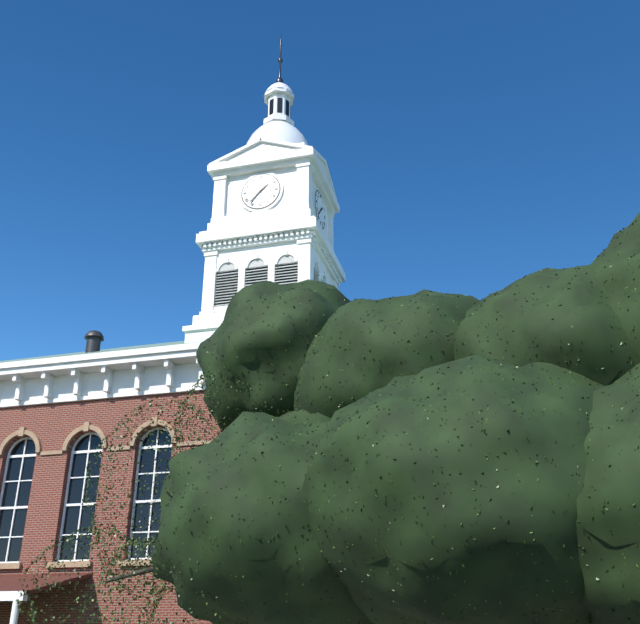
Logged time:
1h37
